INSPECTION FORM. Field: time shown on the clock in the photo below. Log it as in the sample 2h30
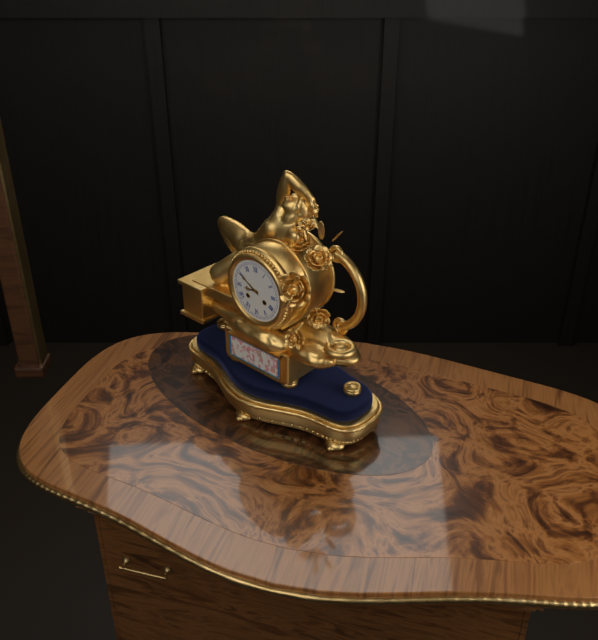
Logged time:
8h50
